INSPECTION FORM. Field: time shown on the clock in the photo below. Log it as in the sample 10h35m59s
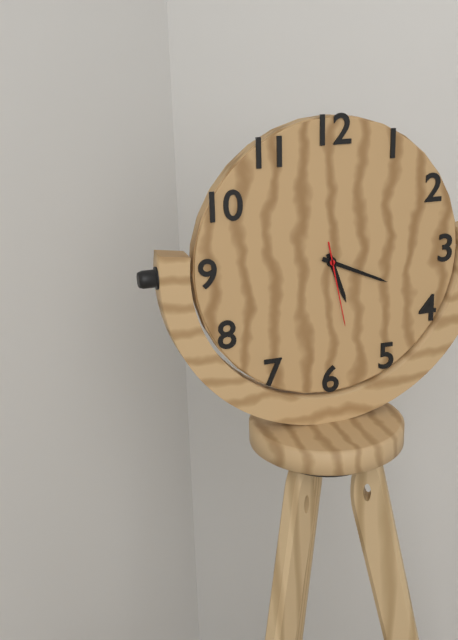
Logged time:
5h19m28s
